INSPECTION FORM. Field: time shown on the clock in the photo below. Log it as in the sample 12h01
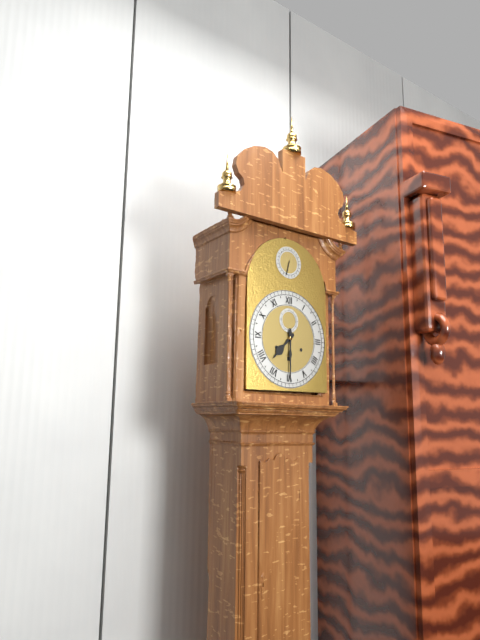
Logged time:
7h30
